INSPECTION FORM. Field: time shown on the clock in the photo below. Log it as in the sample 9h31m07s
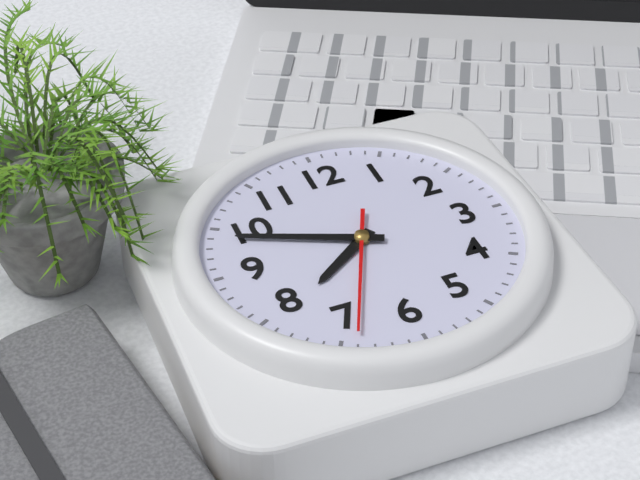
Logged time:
7h49m34s
